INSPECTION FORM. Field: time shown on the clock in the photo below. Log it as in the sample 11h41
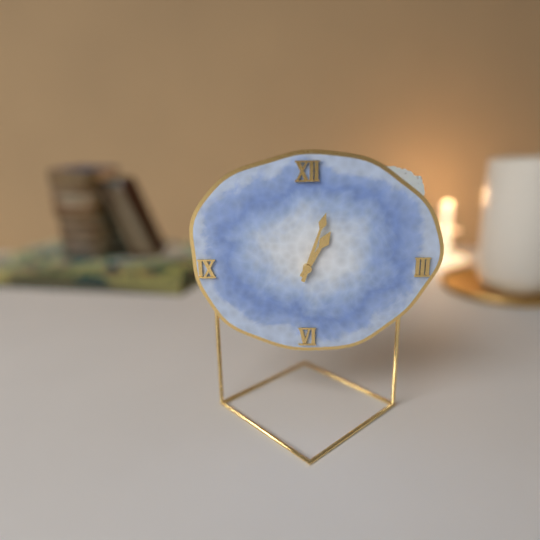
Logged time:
1h03
